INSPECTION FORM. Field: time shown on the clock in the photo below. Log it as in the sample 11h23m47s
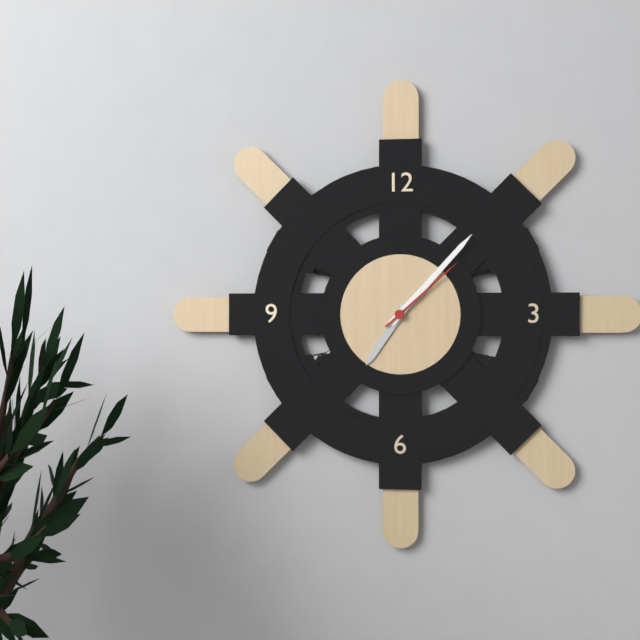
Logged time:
7h07m08s
